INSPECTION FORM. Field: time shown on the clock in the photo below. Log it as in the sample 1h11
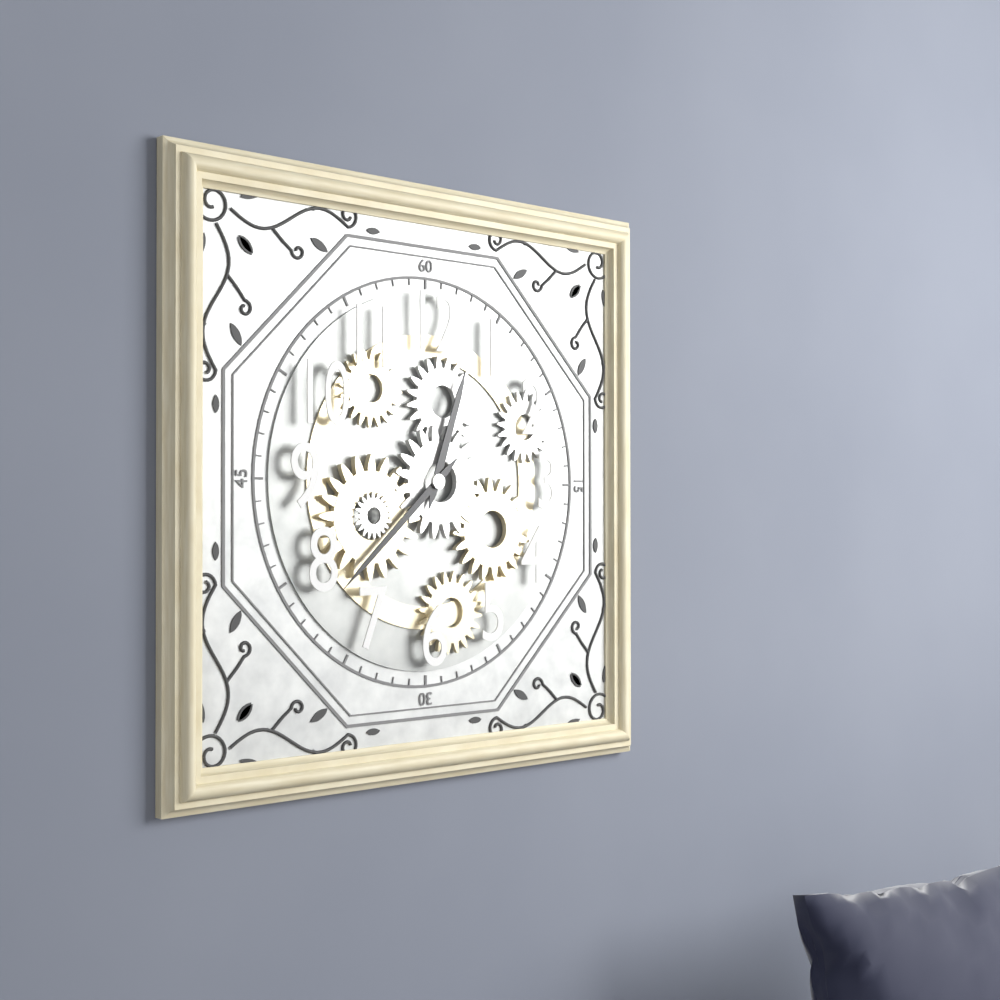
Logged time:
12h38
